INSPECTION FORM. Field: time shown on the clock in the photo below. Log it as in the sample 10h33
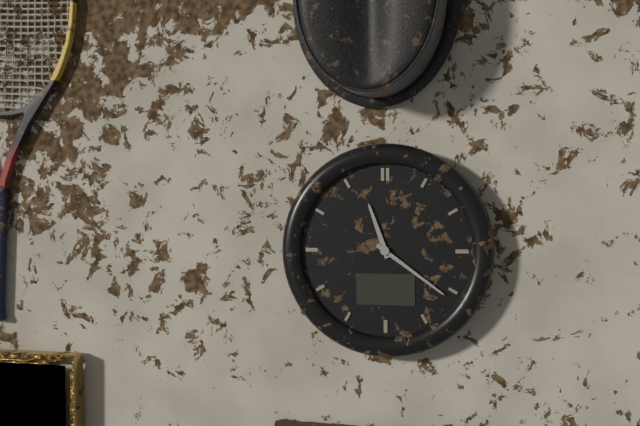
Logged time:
11h21
